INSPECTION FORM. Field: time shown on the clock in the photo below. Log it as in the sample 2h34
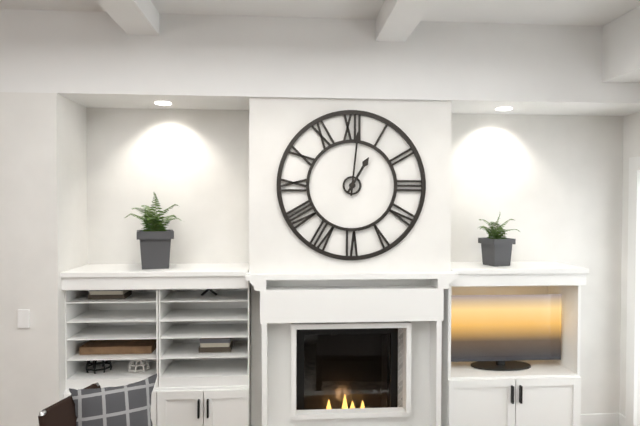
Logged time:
1h01
